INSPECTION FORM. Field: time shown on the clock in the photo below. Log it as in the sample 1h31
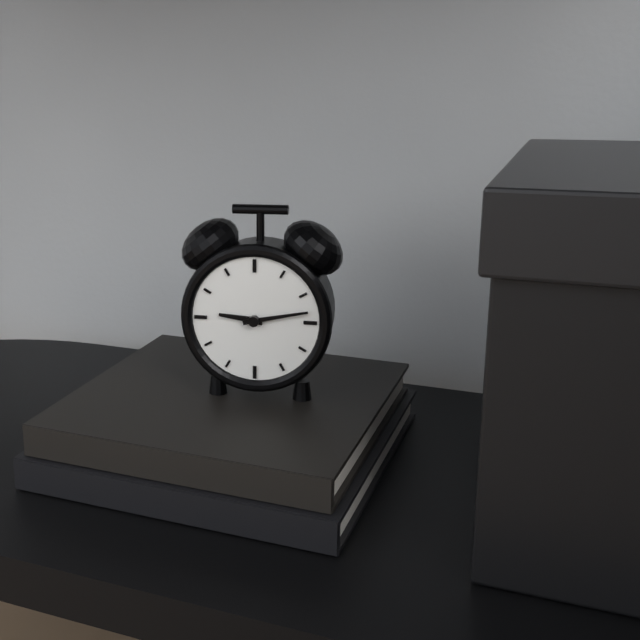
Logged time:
9h13
